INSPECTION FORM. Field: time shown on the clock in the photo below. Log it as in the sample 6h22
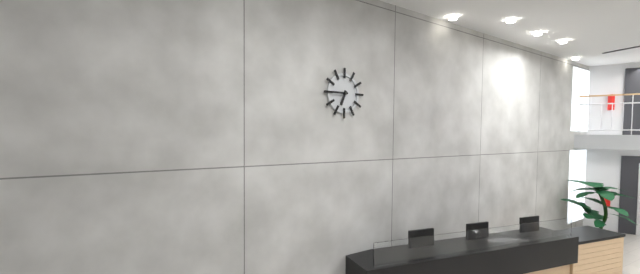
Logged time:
6h45
